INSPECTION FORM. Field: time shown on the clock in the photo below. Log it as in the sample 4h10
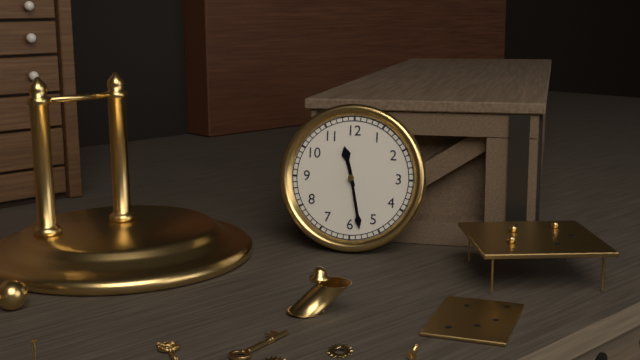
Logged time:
11h28
